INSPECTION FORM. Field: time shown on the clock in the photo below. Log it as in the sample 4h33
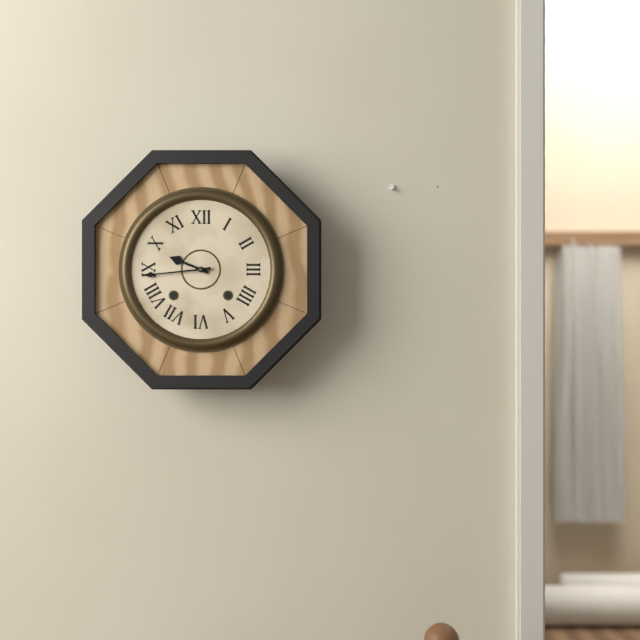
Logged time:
9h44
